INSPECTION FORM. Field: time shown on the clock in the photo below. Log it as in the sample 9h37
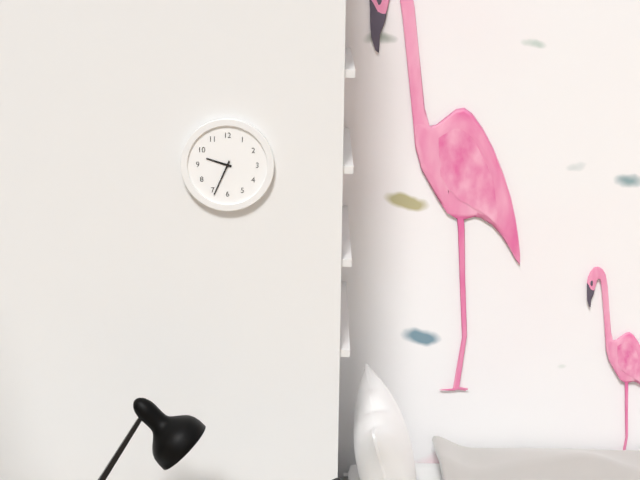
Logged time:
9h34
